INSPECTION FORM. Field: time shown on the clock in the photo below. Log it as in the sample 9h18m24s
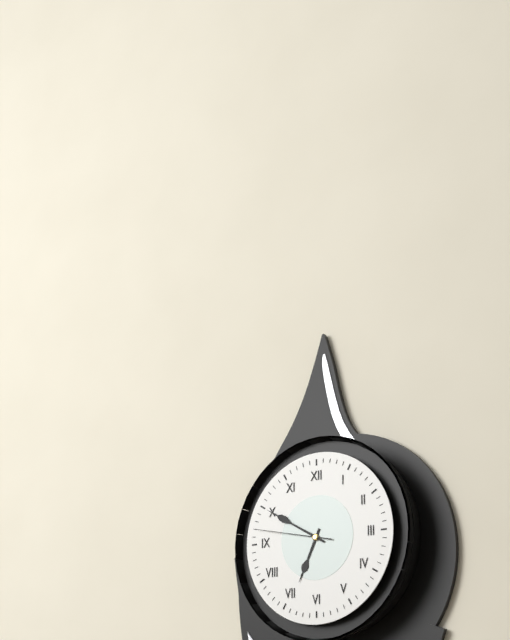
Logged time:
6h50m47s
